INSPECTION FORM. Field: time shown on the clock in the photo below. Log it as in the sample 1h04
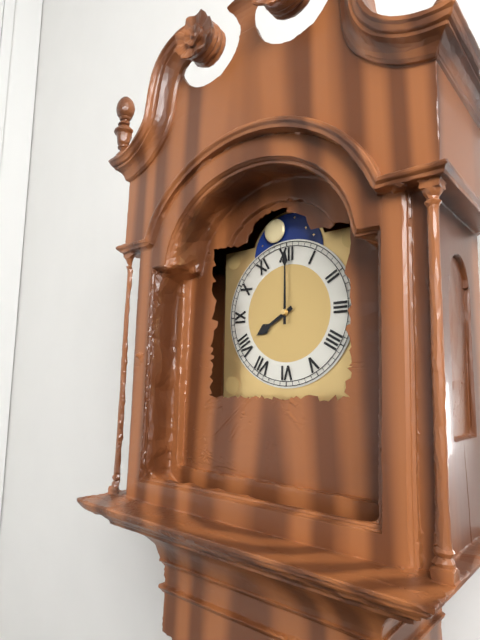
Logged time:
8h00
